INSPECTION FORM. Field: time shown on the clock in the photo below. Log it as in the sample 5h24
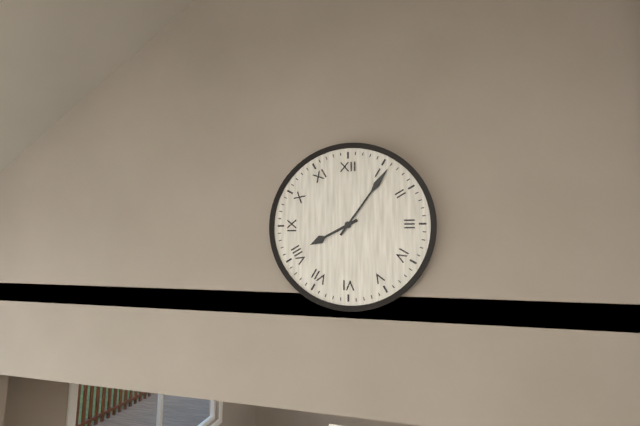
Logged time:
8h06
